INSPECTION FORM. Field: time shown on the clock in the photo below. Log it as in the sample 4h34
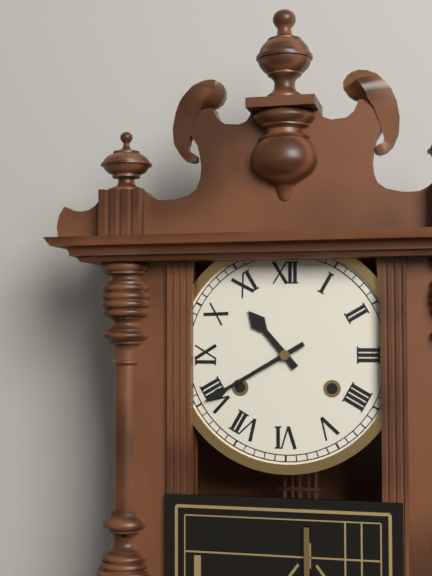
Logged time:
10h40
